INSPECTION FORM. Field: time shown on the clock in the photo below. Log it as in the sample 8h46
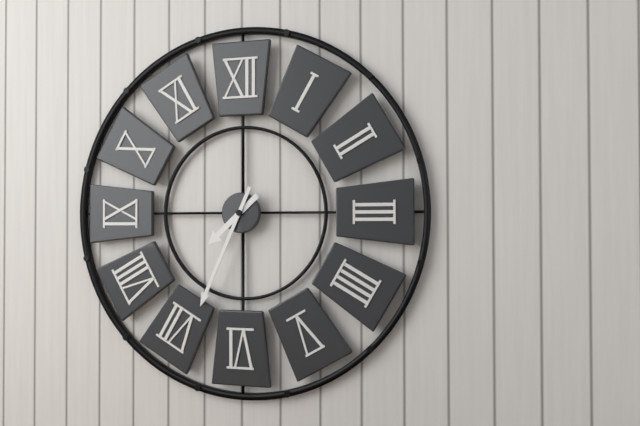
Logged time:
7h34
